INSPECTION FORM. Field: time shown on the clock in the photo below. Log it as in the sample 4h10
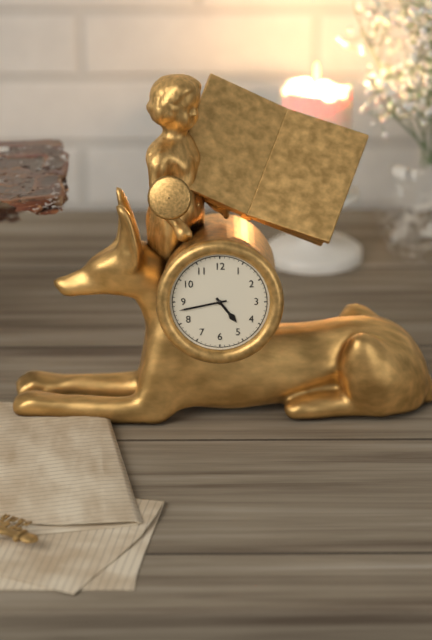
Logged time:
4h43
